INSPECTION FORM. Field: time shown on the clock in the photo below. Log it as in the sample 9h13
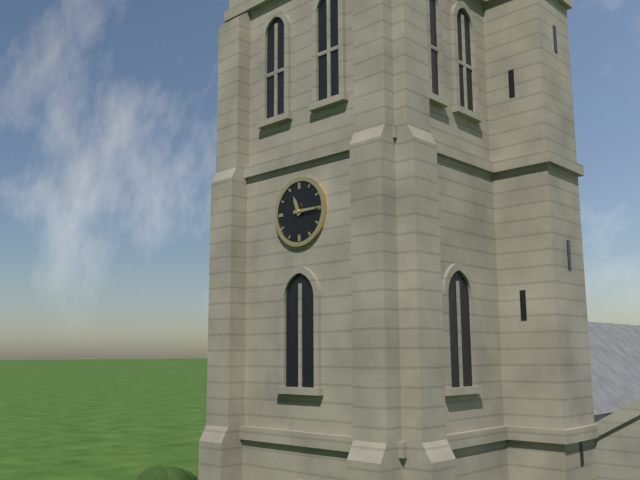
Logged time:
11h15
